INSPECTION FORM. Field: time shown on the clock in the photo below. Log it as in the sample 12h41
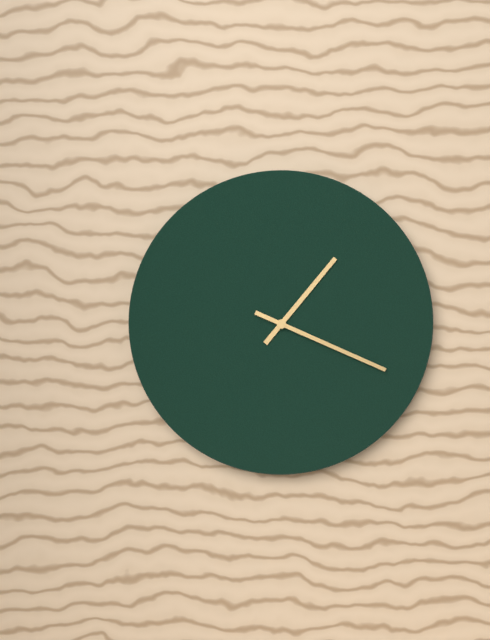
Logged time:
1h19
